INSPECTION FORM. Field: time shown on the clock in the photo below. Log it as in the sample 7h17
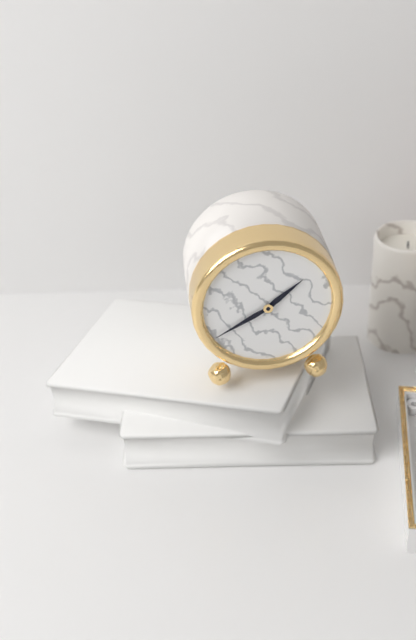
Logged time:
1h40
